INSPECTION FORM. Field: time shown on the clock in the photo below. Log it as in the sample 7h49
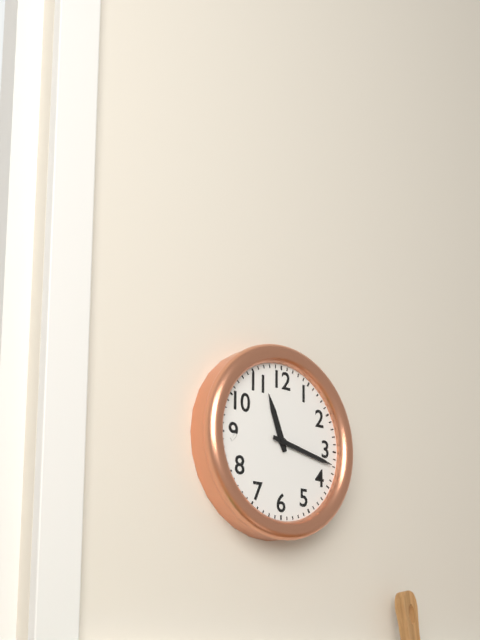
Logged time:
11h17
